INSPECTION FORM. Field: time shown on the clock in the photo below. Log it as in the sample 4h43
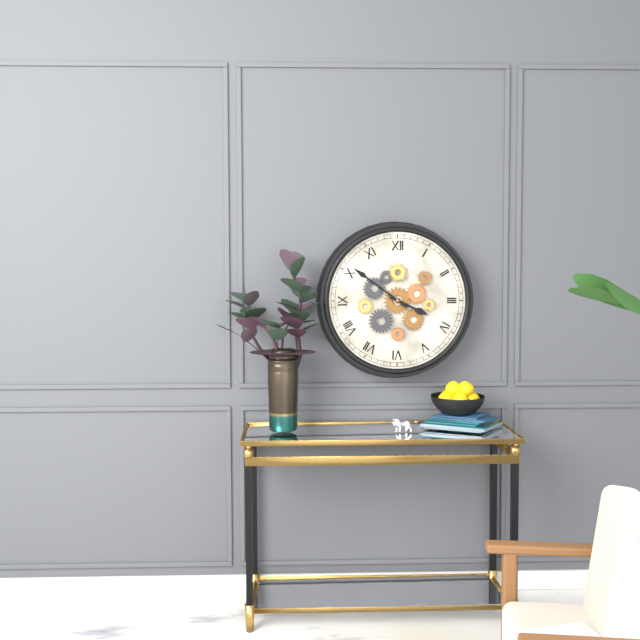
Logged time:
3h51
